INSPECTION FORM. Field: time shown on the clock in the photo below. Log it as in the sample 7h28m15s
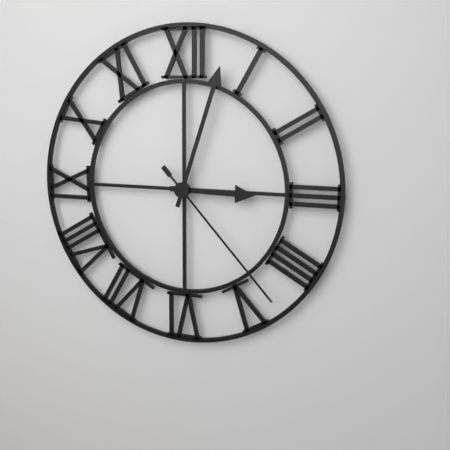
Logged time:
3h03m23s
